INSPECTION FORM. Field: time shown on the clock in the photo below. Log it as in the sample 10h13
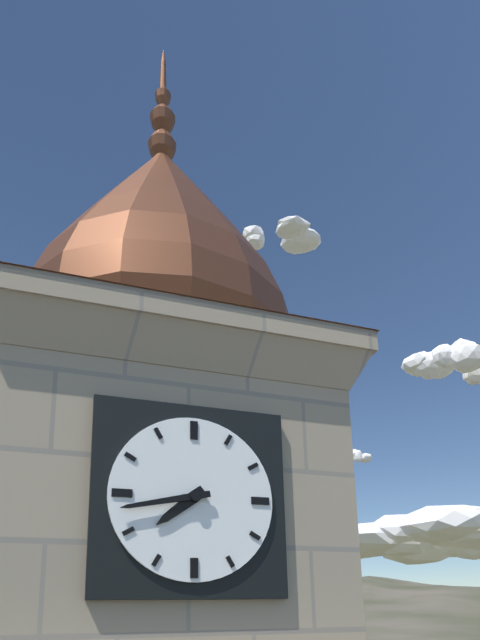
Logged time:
7h43
